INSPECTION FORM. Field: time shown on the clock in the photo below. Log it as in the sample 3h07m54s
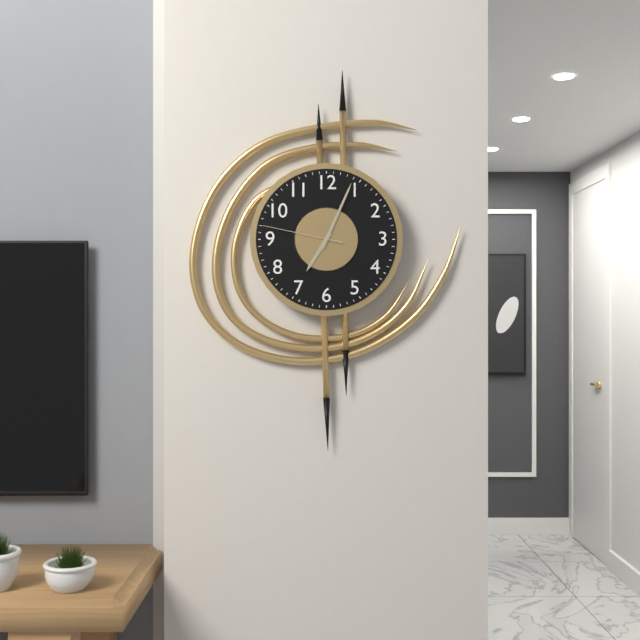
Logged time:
7h04m47s
